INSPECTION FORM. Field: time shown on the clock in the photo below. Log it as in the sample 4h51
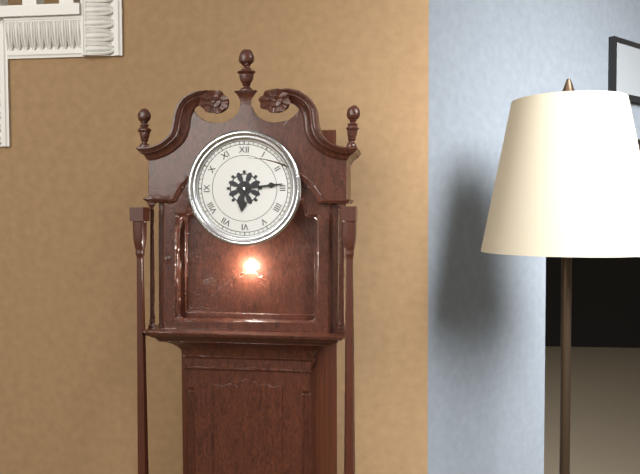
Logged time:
6h14
